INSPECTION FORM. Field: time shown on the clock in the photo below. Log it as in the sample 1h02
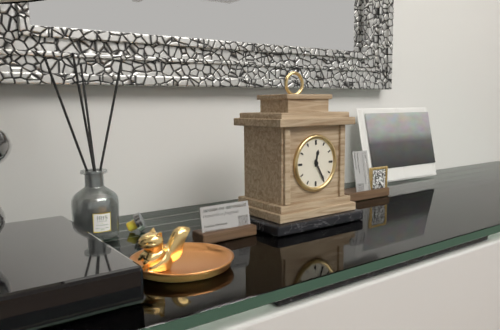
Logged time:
12h25
